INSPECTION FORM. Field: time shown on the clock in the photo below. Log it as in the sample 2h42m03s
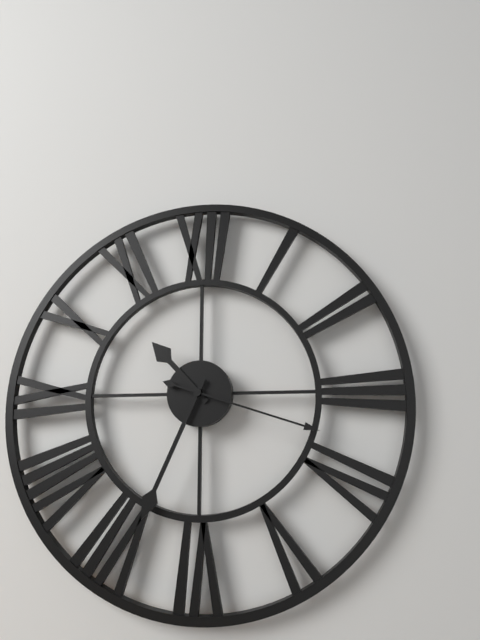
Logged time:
10h34m18s
